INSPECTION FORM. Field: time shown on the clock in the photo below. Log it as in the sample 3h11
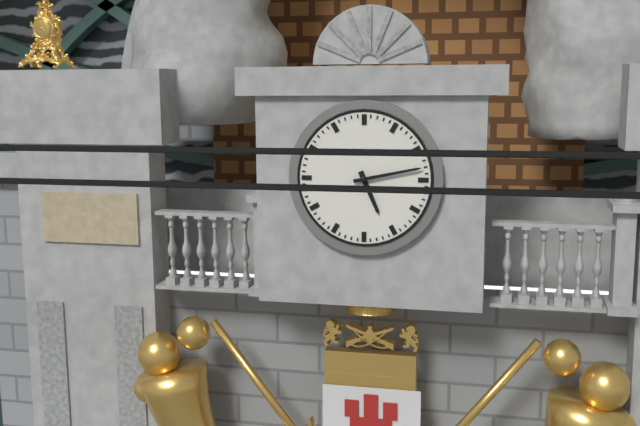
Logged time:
5h13
